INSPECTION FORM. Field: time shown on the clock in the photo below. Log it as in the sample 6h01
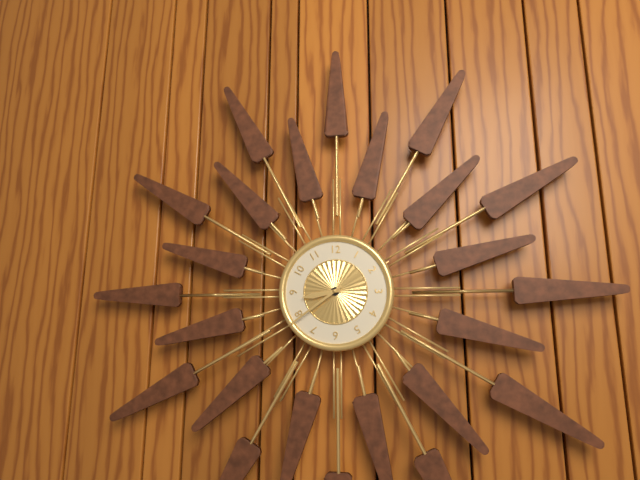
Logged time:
8h39
